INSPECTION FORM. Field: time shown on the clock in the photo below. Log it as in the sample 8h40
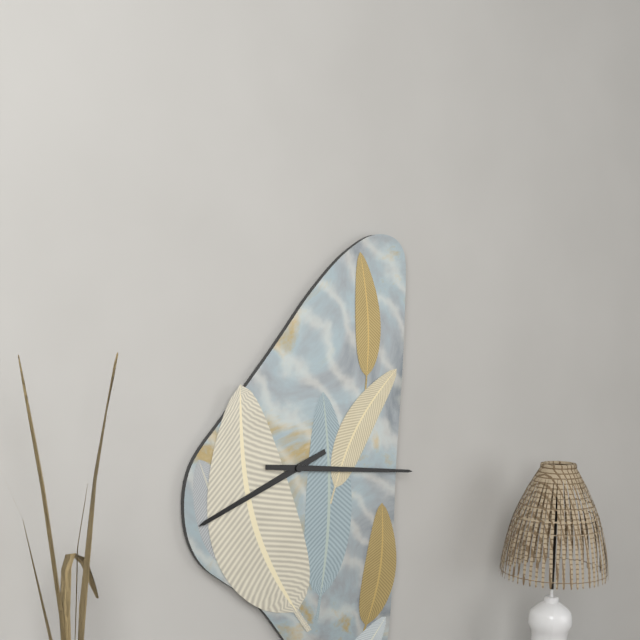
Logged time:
8h16
